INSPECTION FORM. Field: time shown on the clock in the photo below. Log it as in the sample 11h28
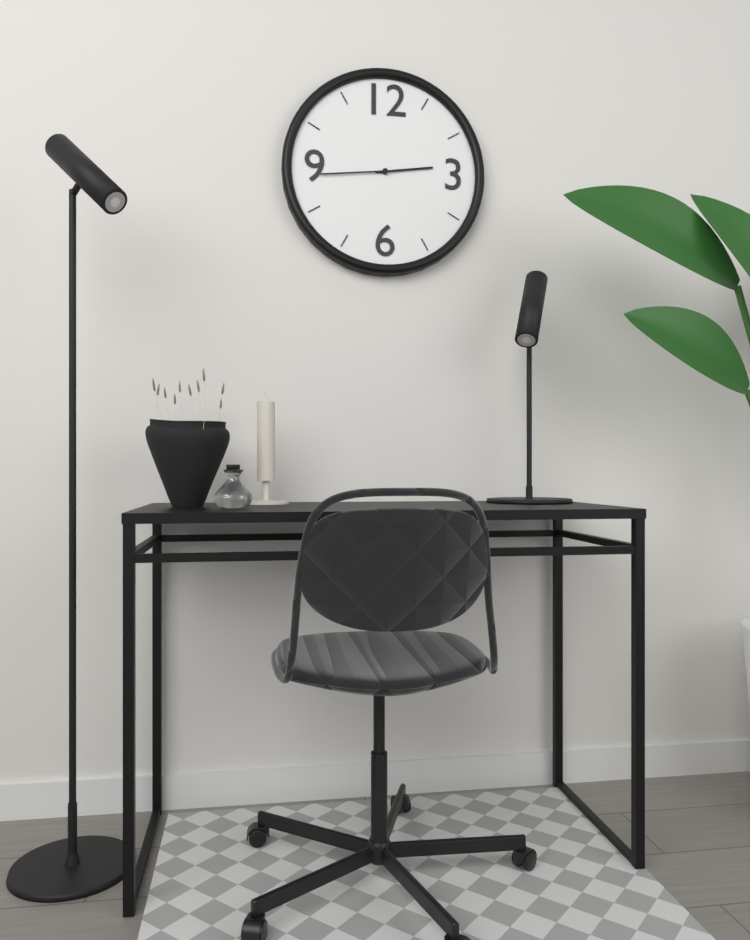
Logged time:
2h44
